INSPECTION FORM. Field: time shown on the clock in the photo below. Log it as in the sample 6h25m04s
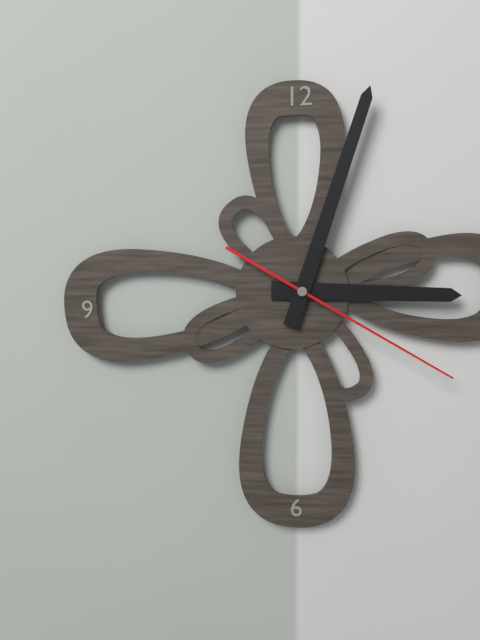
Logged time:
3h03m20s
